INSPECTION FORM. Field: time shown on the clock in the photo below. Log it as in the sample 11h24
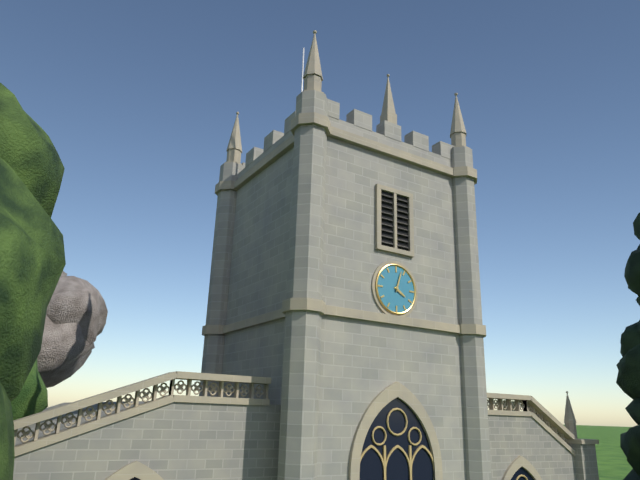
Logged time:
4h03
